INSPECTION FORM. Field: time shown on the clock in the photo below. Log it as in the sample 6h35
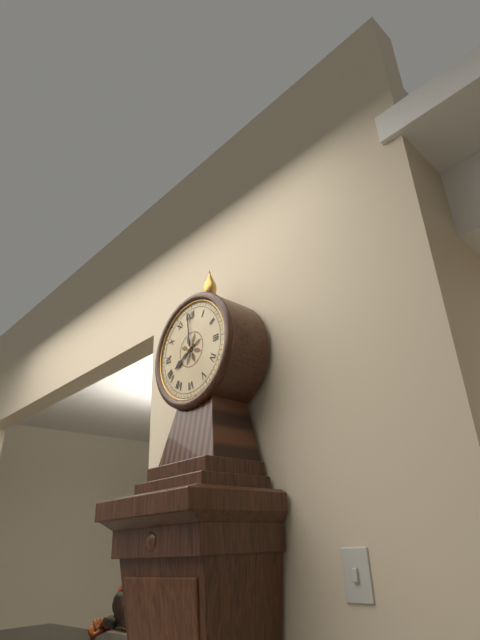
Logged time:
7h59
